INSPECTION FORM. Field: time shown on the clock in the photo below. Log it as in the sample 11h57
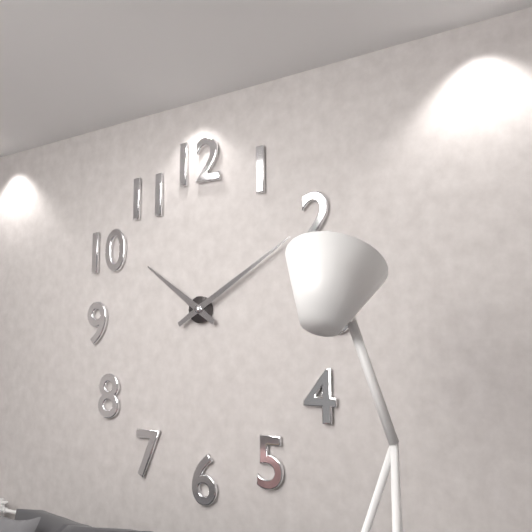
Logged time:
10h10
